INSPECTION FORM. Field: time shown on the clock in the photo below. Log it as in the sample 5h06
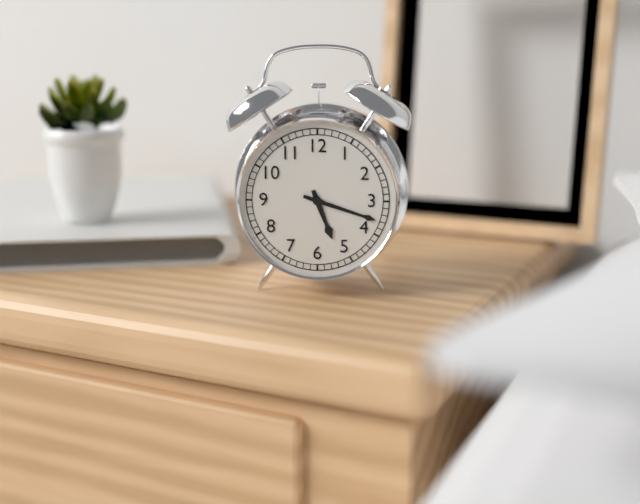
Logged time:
5h18
